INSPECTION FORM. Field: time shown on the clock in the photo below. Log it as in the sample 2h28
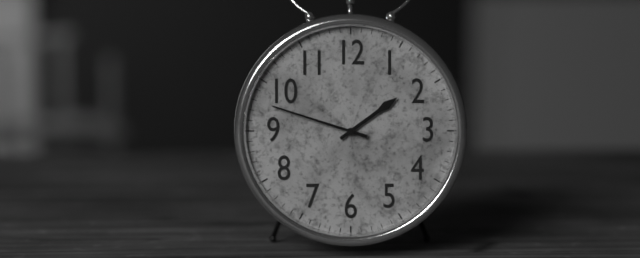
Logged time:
1h48
